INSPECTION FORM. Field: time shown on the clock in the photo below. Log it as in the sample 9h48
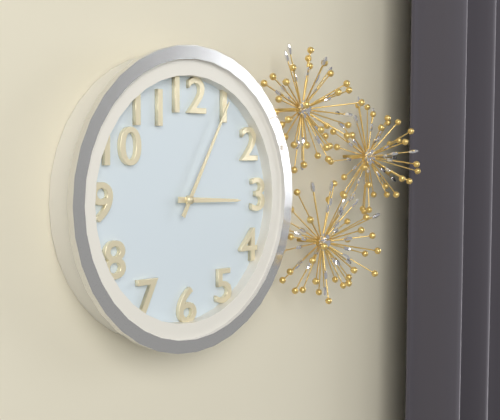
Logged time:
3h05
